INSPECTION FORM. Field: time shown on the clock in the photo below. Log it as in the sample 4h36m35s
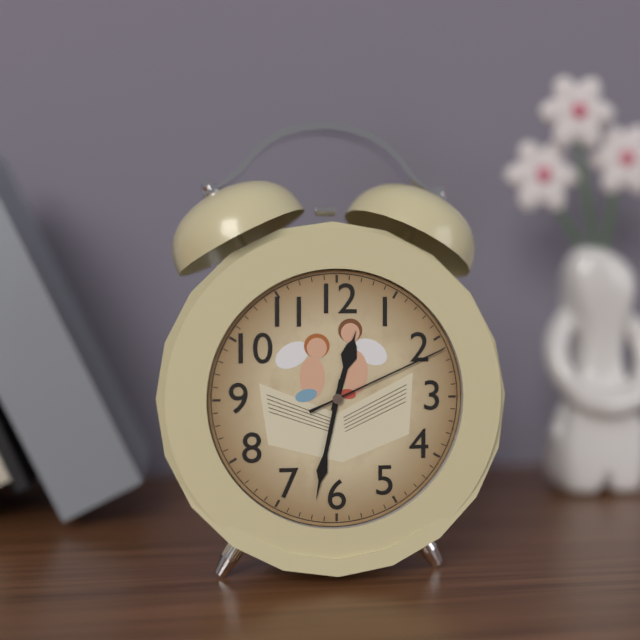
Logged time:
12h32m11s
